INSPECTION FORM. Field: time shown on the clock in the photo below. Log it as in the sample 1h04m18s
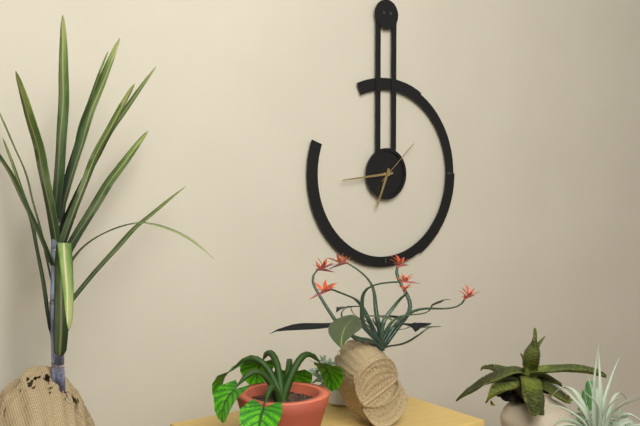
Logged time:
6h44m08s
